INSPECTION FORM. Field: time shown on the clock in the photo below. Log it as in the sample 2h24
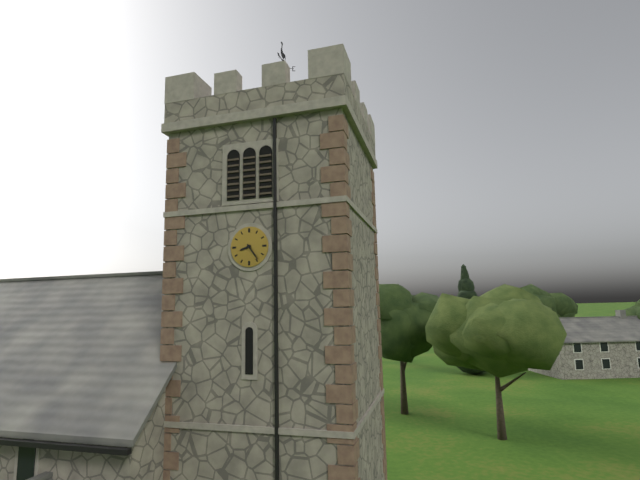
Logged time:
8h24
